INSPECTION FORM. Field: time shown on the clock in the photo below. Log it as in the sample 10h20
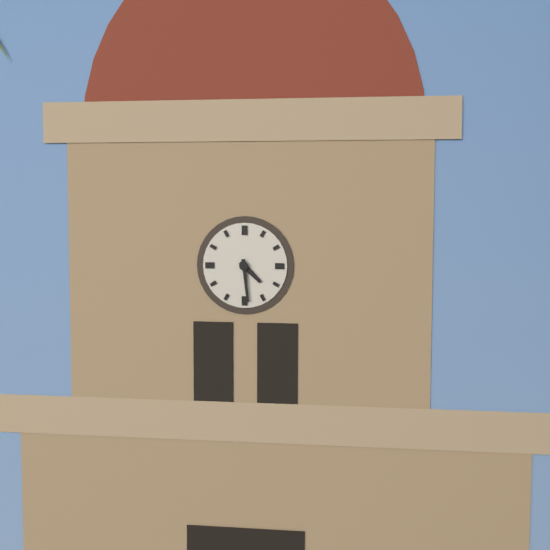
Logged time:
4h29
